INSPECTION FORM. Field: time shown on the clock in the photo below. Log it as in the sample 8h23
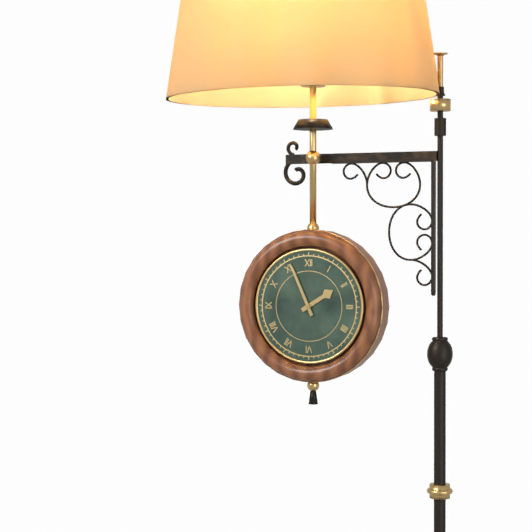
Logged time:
1h56
